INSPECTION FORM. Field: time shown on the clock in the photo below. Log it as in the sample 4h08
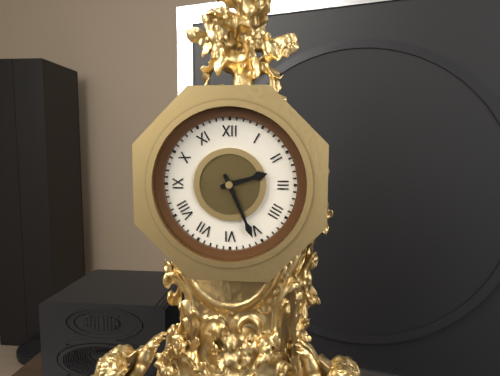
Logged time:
2h26
